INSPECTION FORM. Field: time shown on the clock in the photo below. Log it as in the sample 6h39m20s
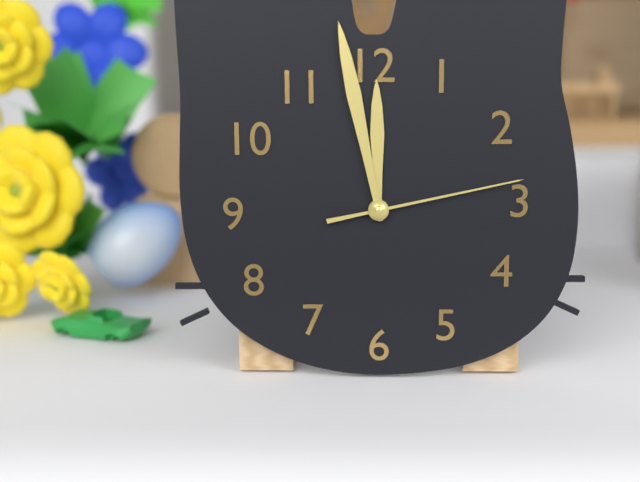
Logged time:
11h58m13s
